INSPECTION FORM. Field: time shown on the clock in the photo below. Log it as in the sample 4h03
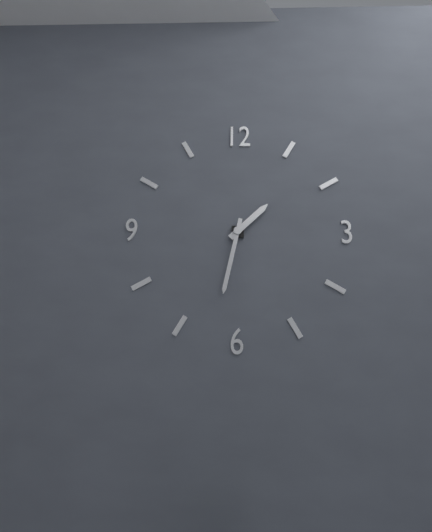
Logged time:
1h32
